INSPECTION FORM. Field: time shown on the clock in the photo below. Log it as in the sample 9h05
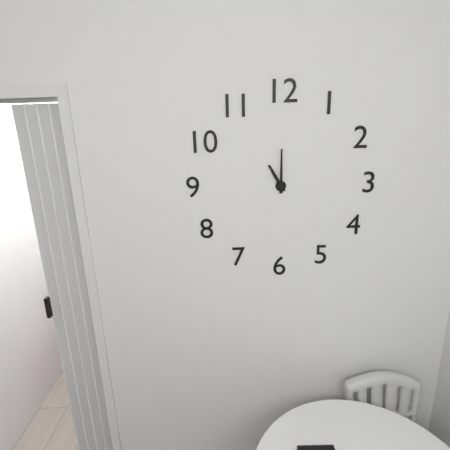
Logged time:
11h00
